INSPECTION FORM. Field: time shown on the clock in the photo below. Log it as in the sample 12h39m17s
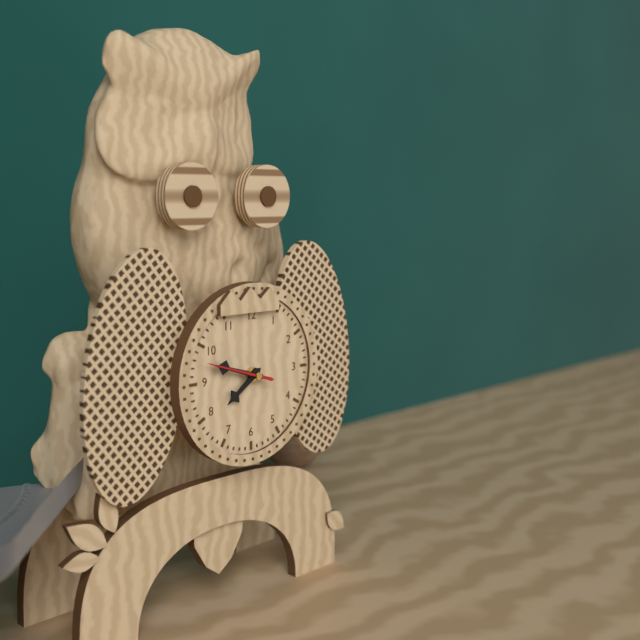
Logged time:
7h48m48s
